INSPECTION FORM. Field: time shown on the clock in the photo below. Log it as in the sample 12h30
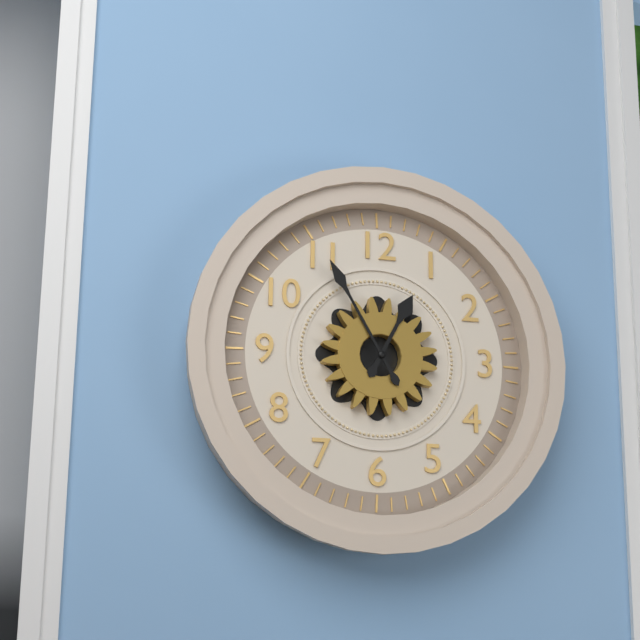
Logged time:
12h55
